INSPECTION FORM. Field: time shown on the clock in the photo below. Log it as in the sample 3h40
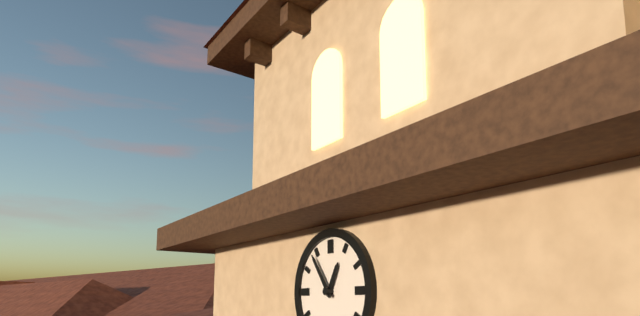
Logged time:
12h54
